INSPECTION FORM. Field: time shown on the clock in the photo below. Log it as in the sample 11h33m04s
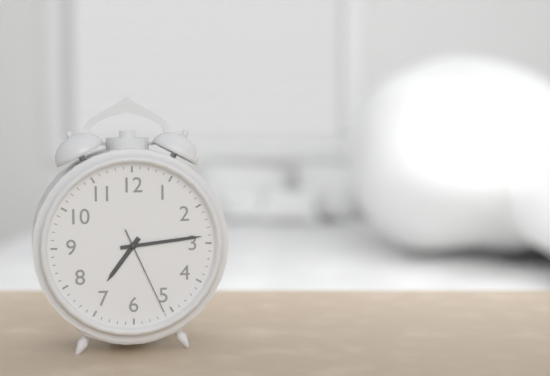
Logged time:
7h14m26s
